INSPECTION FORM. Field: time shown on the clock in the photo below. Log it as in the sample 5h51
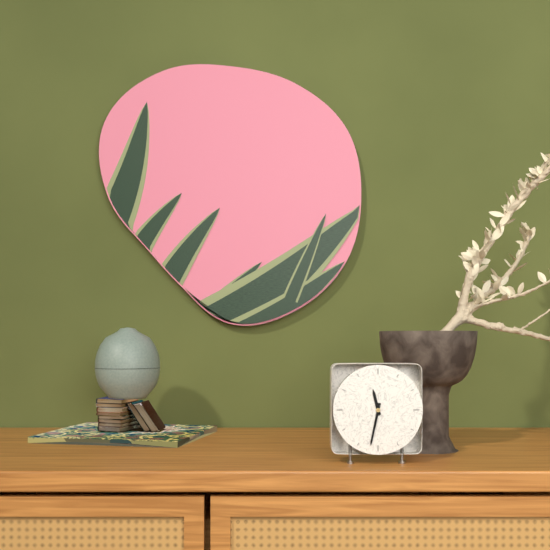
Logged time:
11h32
